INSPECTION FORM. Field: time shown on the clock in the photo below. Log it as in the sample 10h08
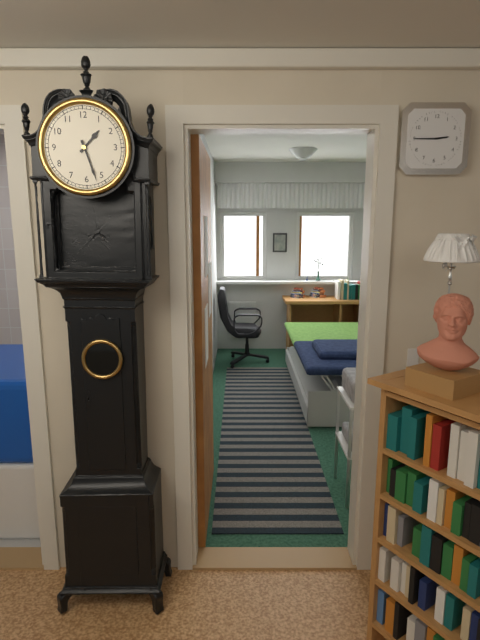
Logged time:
1h27
